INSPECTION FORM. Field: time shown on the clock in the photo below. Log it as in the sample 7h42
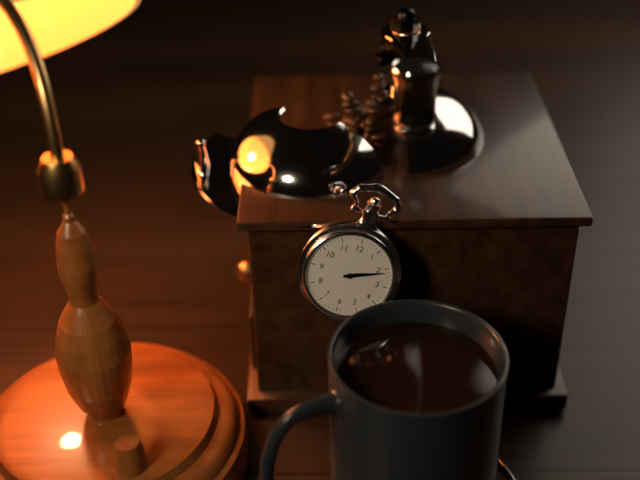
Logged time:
2h11
